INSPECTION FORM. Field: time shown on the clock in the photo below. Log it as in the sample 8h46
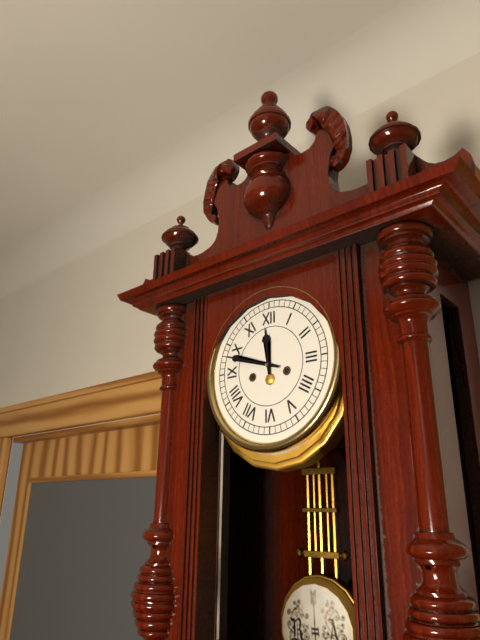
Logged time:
11h48
